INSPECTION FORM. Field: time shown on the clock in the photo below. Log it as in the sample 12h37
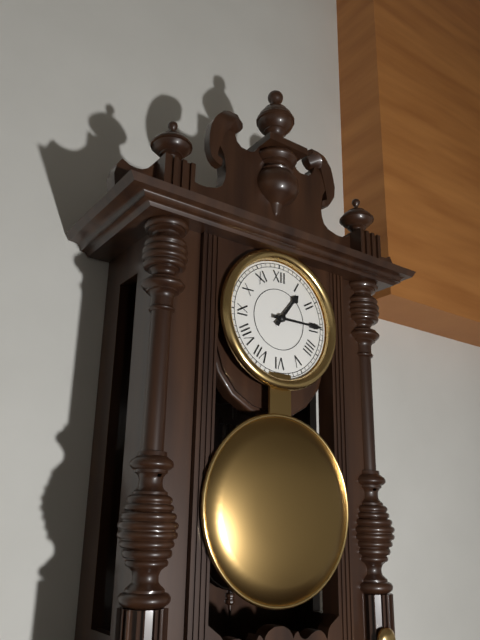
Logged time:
1h15
